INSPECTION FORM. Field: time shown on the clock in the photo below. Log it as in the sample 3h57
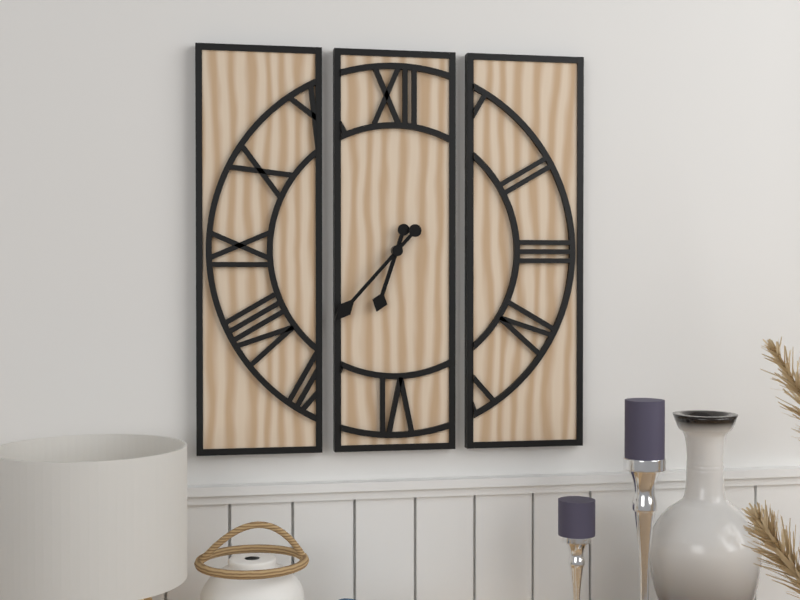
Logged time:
6h37
